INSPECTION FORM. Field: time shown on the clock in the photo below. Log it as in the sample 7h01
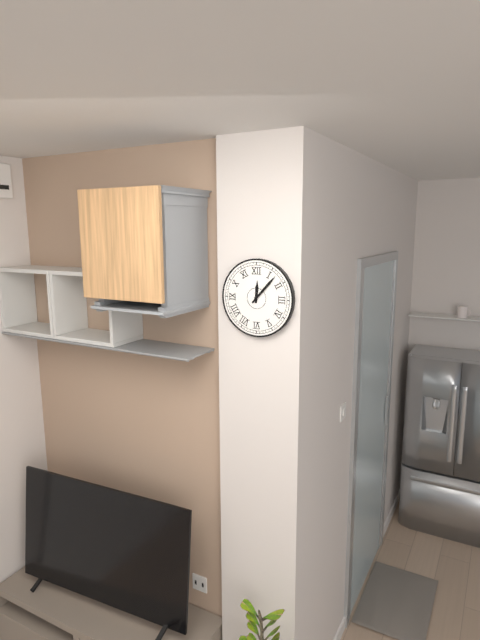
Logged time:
12h07
